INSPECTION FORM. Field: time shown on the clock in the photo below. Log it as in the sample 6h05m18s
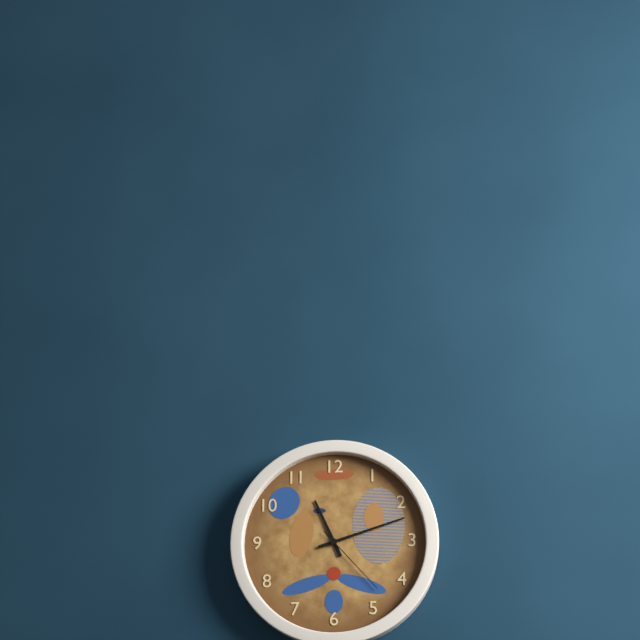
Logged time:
11h12m23s
